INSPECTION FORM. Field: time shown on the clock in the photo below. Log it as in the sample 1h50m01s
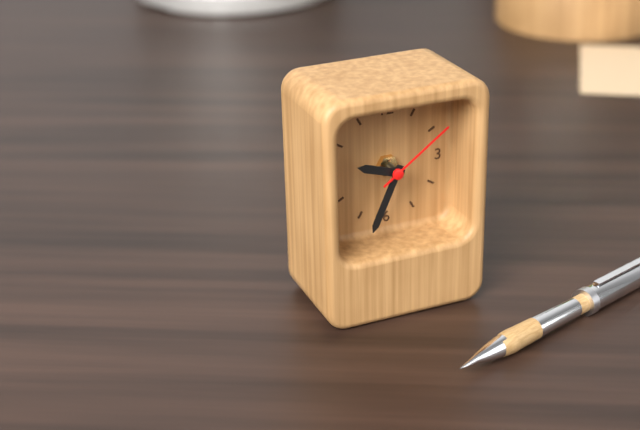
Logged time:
9h34m09s
